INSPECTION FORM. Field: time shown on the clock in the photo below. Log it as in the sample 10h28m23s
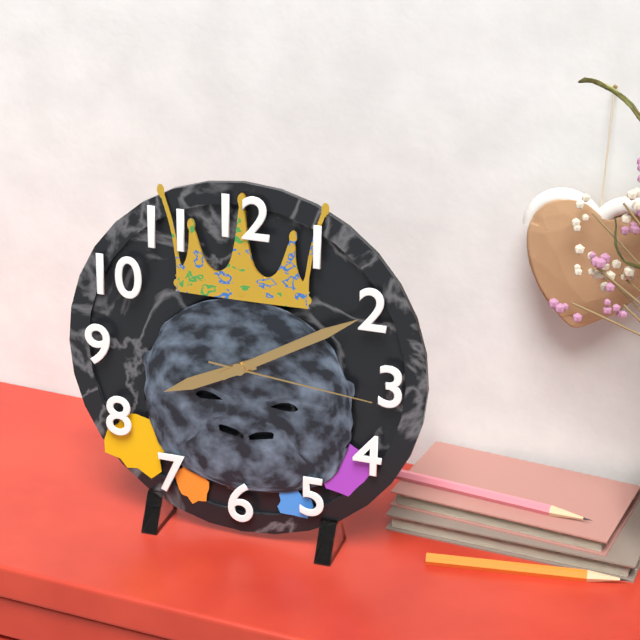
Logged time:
8h10m16s
